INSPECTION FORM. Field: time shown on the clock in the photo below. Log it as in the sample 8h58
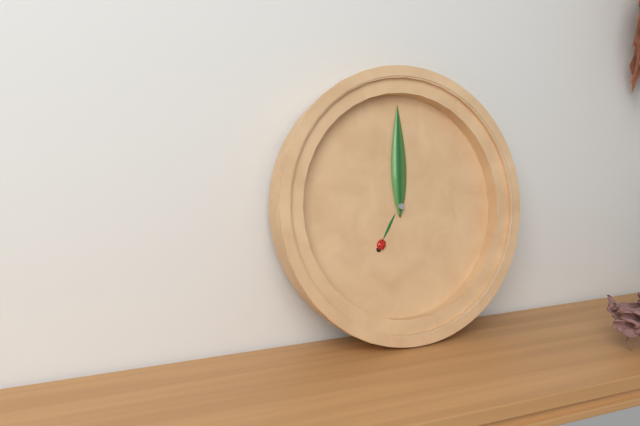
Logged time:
7h00
